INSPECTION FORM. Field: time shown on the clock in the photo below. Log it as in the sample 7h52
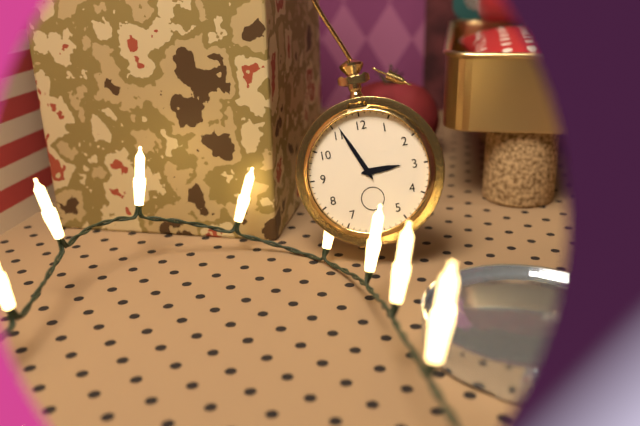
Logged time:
2h56
